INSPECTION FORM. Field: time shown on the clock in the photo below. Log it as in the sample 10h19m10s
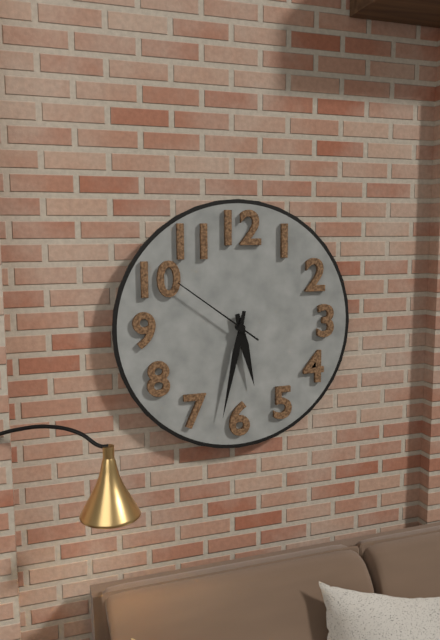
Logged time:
5h32m51s
